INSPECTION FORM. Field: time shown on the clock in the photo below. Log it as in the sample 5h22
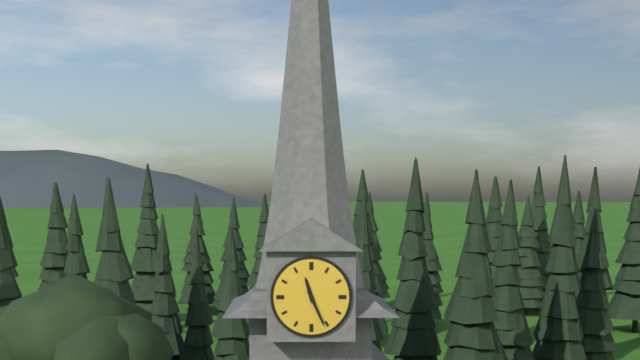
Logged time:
11h26
